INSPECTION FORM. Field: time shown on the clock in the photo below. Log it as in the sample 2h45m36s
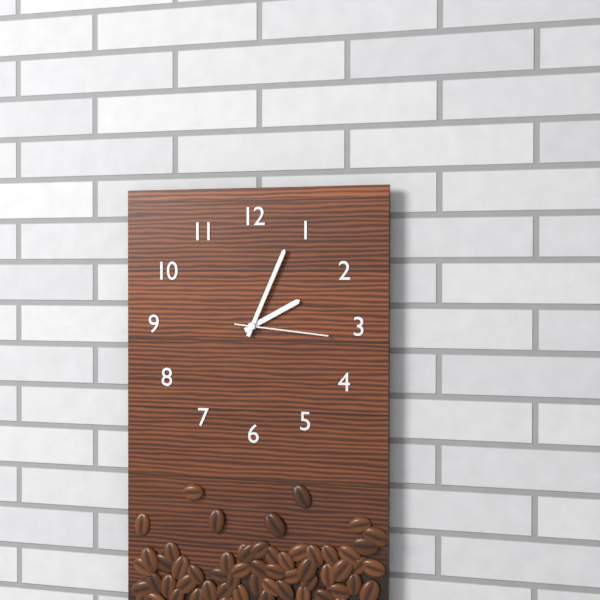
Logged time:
2h04m16s
